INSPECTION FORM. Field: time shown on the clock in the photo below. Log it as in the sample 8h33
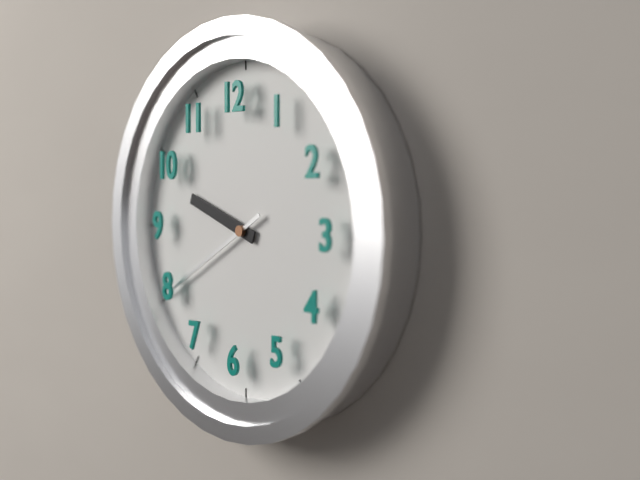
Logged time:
9h40
